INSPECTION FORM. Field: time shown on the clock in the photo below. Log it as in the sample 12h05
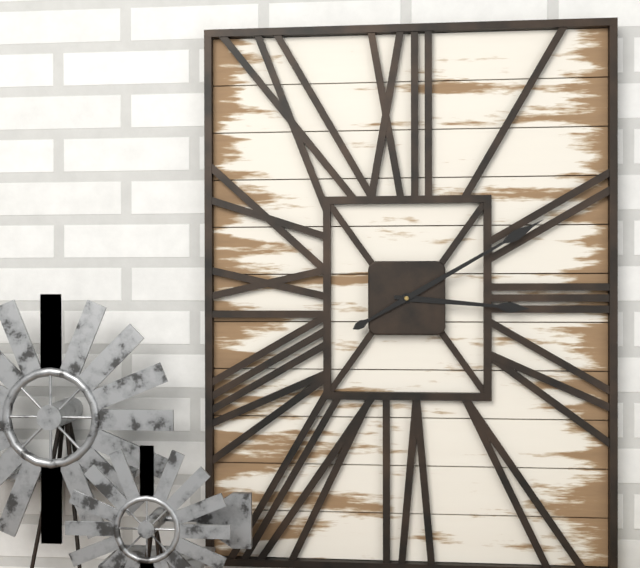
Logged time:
3h10
